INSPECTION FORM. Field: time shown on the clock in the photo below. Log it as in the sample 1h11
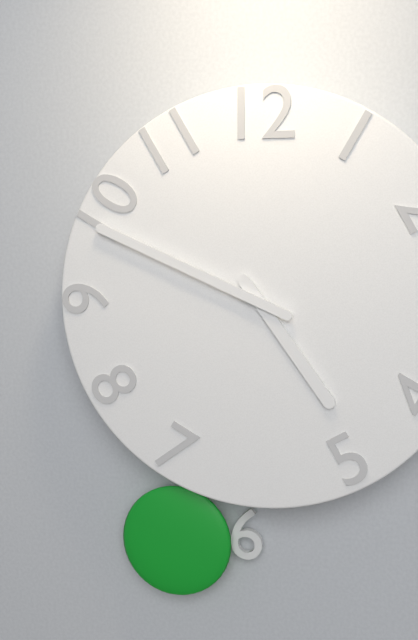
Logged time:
4h49
